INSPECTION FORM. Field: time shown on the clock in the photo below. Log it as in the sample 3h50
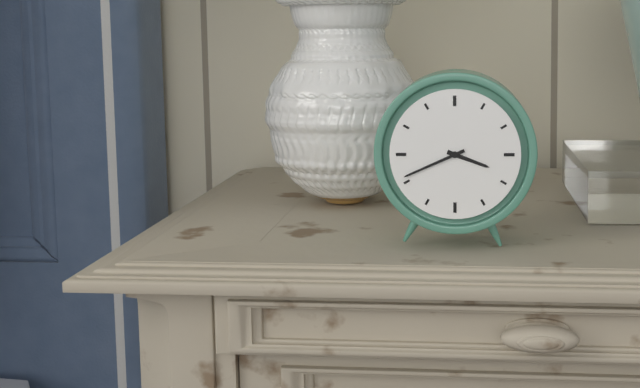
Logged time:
3h41
